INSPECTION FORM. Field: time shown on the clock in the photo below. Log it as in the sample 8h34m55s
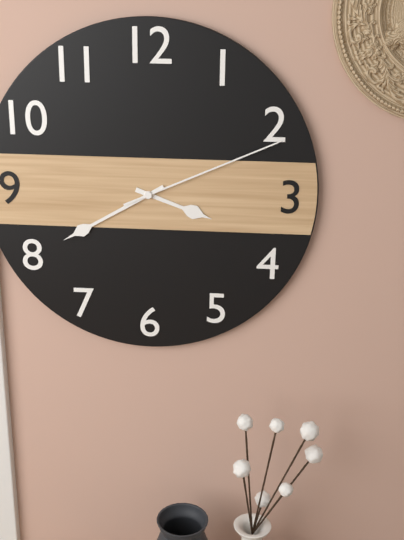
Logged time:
3h40m11s
